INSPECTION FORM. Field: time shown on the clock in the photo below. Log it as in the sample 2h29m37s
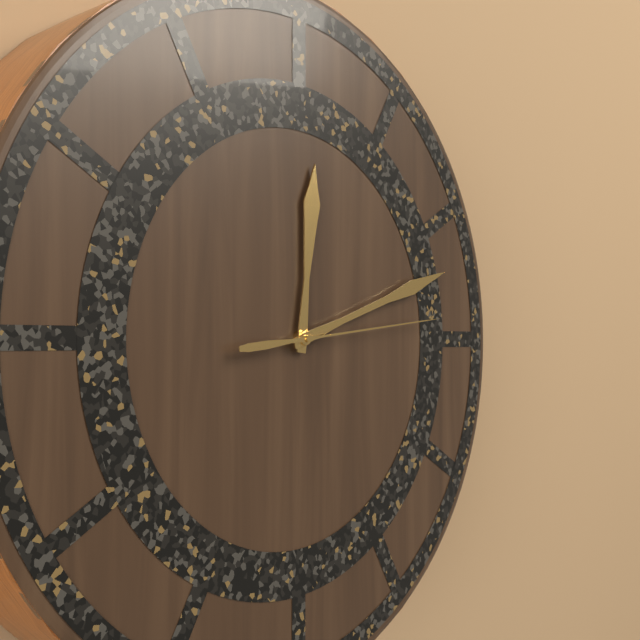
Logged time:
12h12m14s
